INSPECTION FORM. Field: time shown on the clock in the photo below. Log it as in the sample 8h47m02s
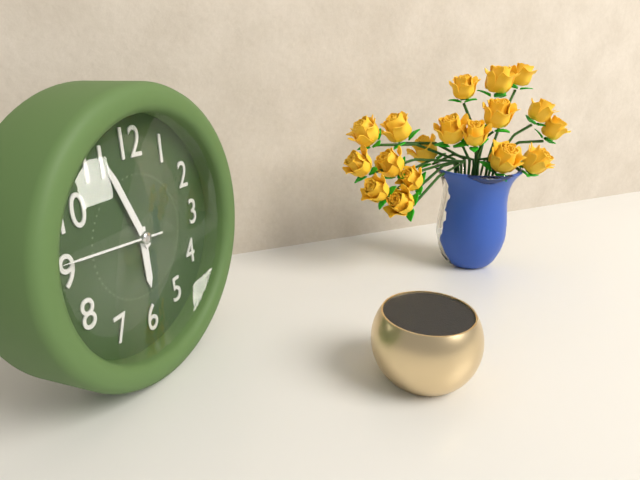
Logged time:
5h56m46s
